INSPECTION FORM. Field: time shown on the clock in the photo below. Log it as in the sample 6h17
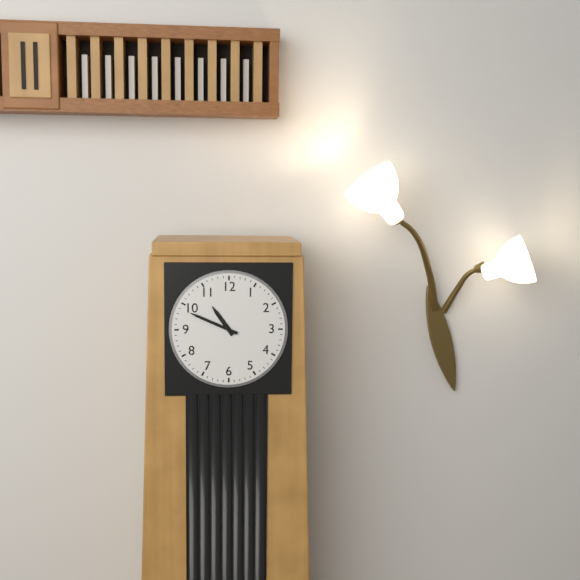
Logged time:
10h49
